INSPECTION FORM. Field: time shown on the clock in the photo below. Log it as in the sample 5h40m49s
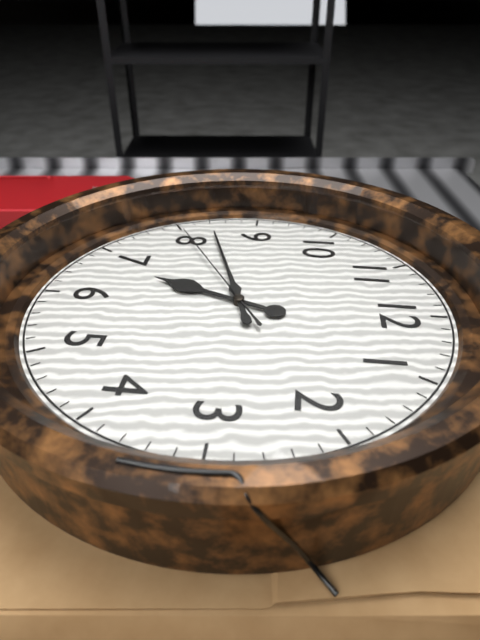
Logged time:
6h42m40s
